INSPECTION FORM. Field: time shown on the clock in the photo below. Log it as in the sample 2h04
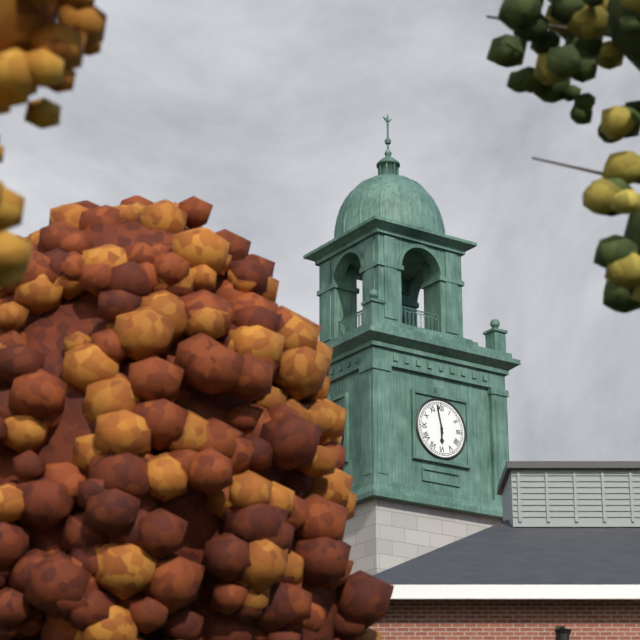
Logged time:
5h58
